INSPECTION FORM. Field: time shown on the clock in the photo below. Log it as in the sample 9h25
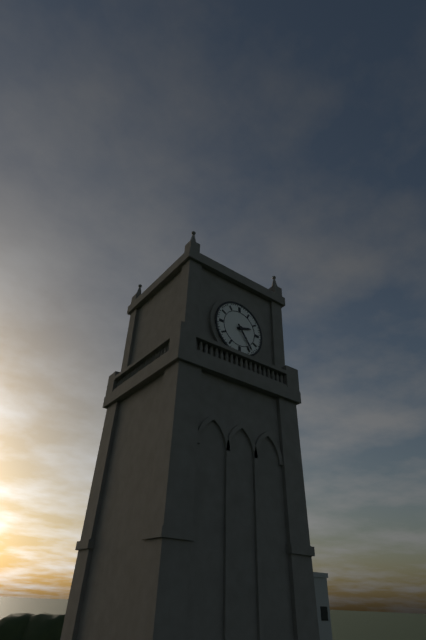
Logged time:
2h24
